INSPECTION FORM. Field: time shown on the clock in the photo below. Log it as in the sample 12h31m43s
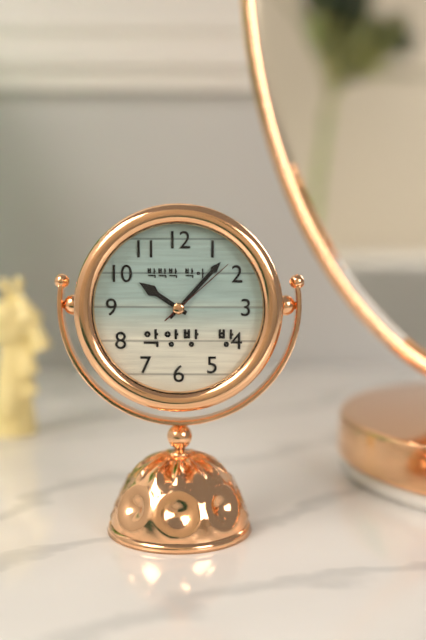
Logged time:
10h07m08s
